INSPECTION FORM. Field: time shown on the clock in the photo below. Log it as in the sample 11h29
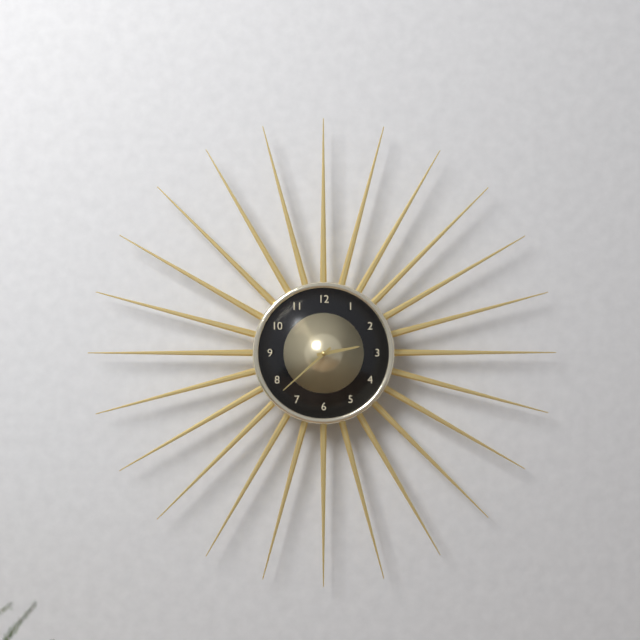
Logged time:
2h38
